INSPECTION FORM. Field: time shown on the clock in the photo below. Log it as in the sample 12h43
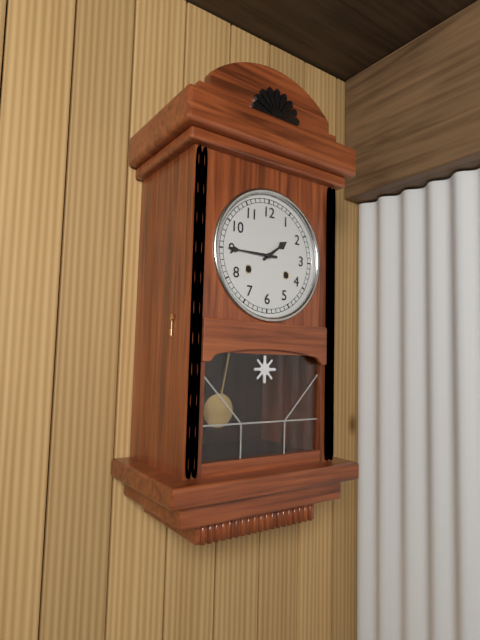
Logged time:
1h45
